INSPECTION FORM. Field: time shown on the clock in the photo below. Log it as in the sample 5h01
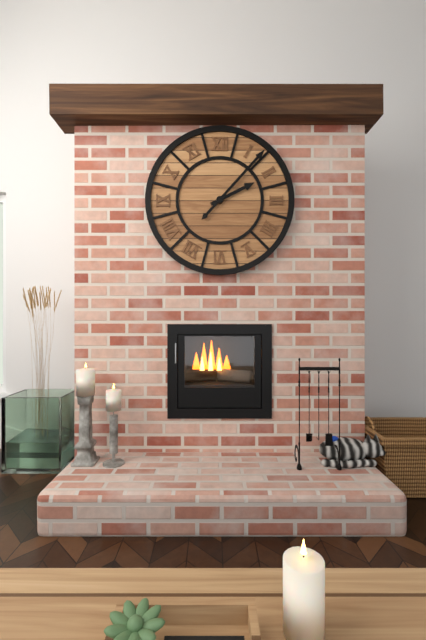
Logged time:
2h07
